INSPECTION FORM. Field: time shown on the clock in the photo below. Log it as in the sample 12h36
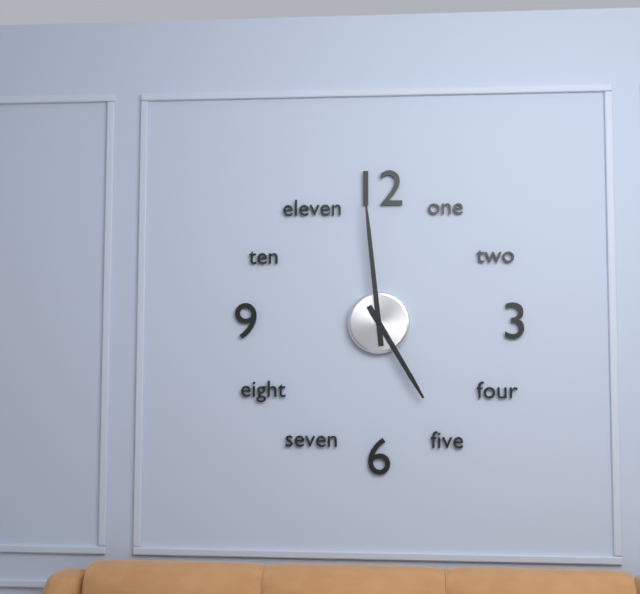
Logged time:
4h59
